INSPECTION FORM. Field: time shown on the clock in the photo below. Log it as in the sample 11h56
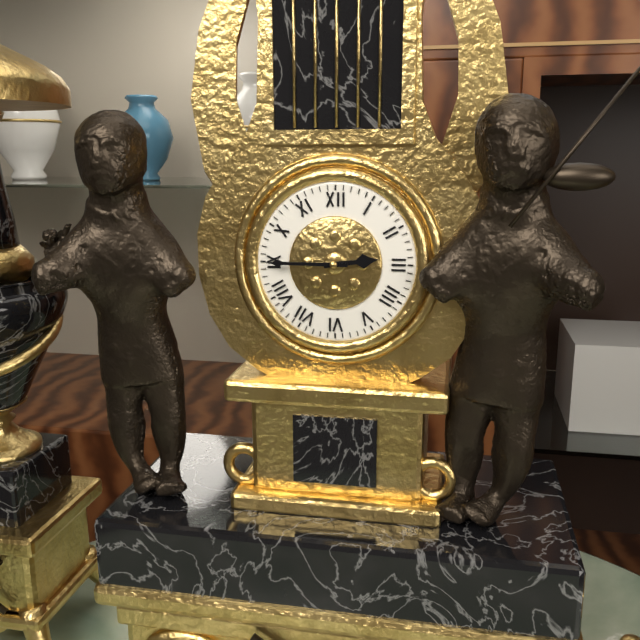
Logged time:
2h45
